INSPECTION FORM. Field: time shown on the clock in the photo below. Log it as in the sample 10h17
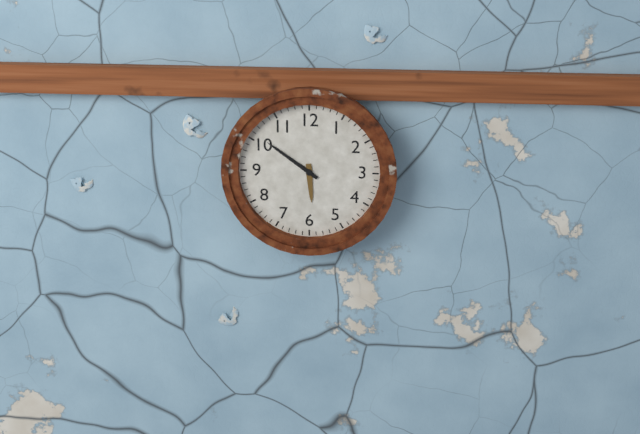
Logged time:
5h51
